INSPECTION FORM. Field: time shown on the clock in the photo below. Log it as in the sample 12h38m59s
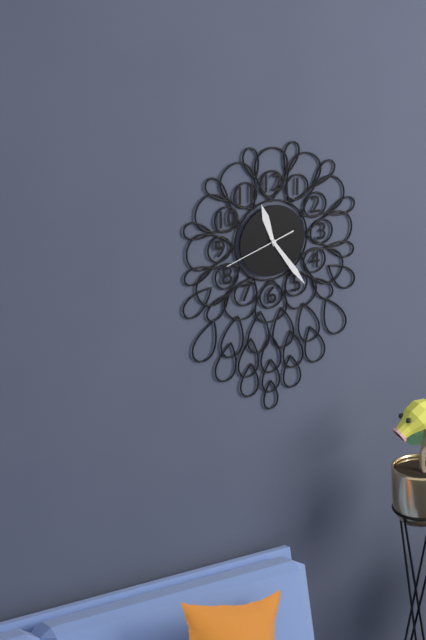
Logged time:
11h24m42s
